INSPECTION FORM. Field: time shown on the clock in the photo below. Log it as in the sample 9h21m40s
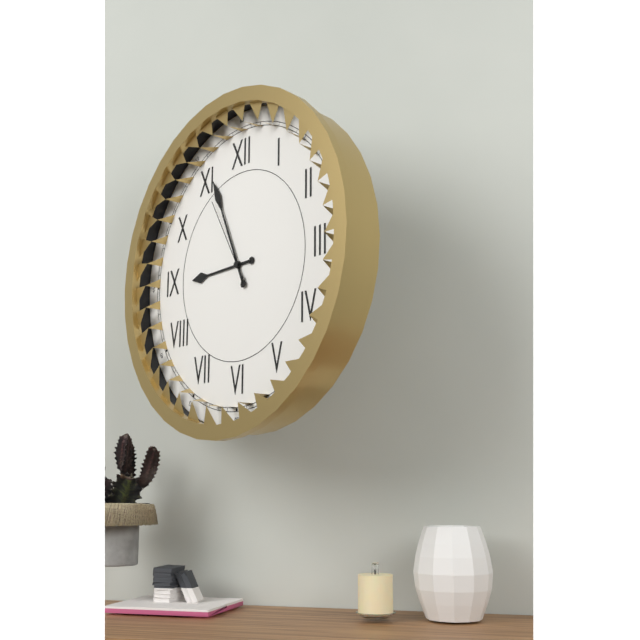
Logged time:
8h56m55s
